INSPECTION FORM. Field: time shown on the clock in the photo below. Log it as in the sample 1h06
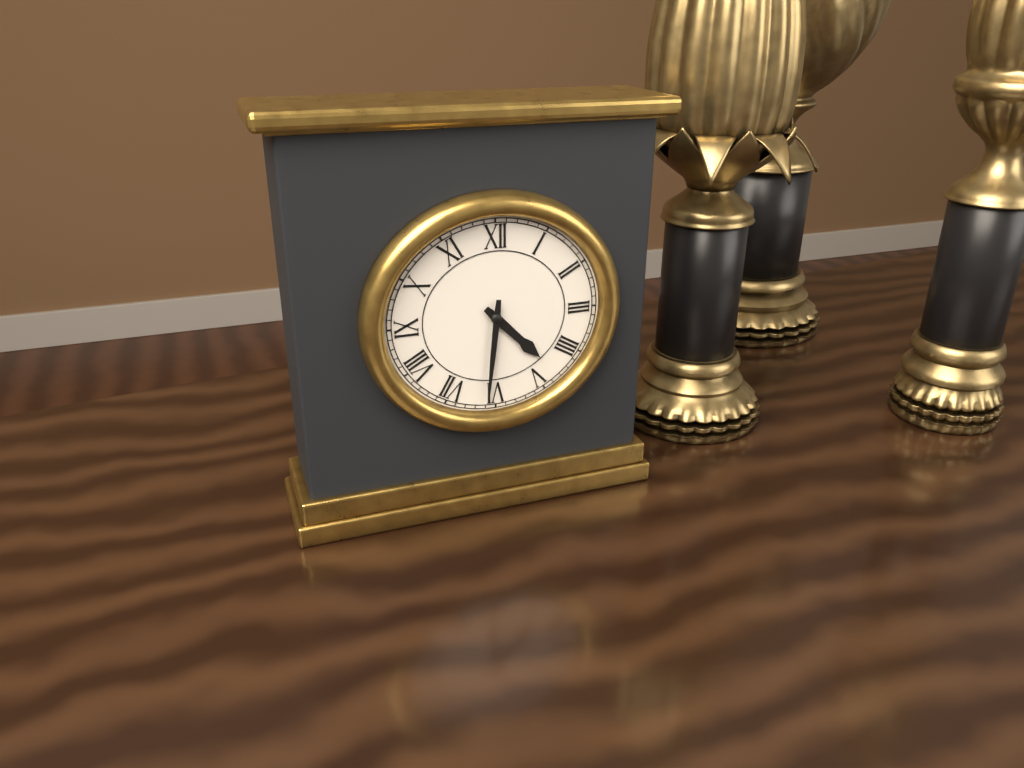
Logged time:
4h31
